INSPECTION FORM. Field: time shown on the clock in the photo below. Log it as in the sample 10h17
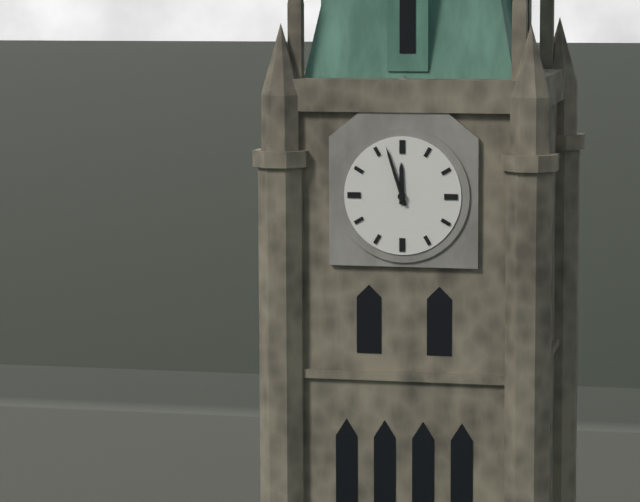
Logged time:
11h57
